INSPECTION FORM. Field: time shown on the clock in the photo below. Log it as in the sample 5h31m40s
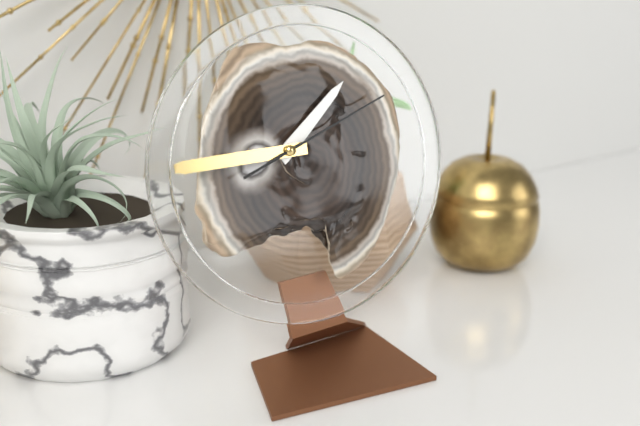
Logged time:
1h45m12s
